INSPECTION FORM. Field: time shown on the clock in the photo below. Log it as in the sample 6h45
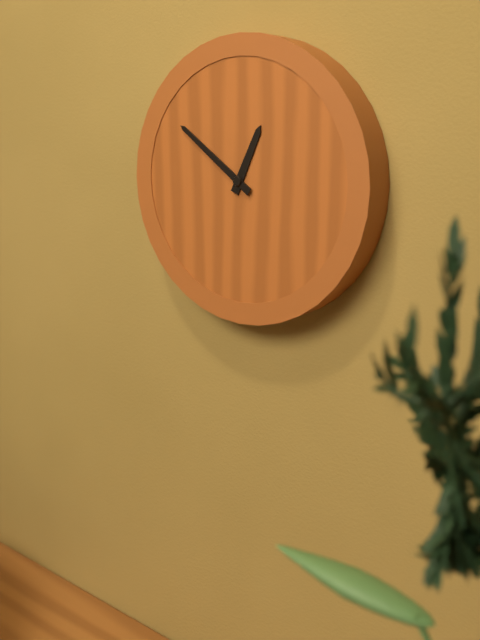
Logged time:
12h51
